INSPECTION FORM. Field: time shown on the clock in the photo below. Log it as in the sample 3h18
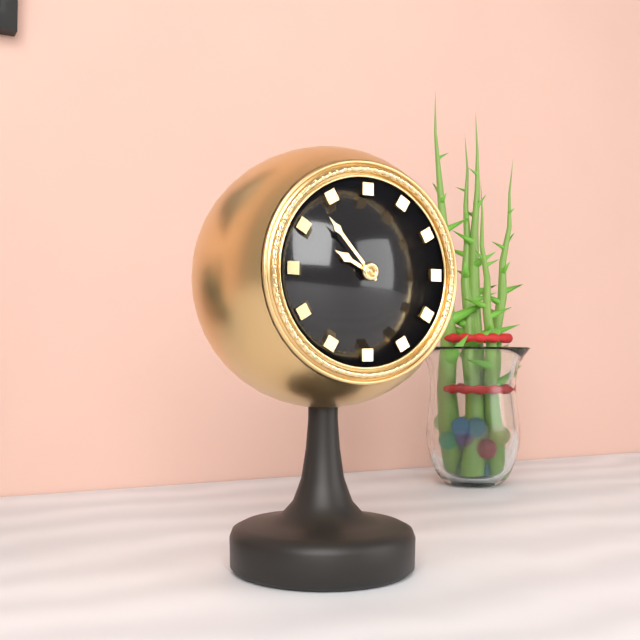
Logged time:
9h53
